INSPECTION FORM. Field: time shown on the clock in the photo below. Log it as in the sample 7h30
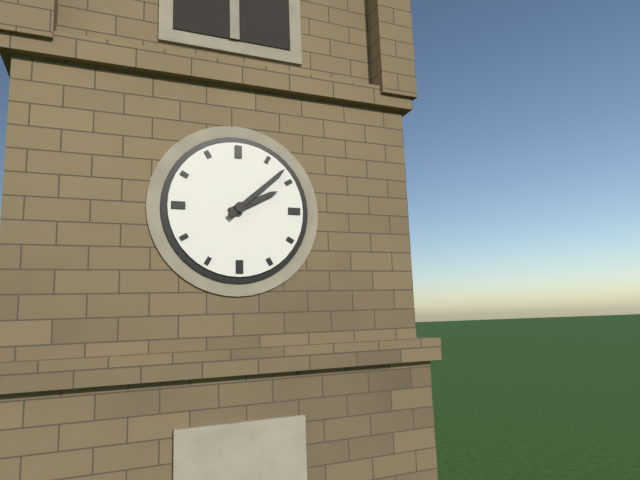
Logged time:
2h08
